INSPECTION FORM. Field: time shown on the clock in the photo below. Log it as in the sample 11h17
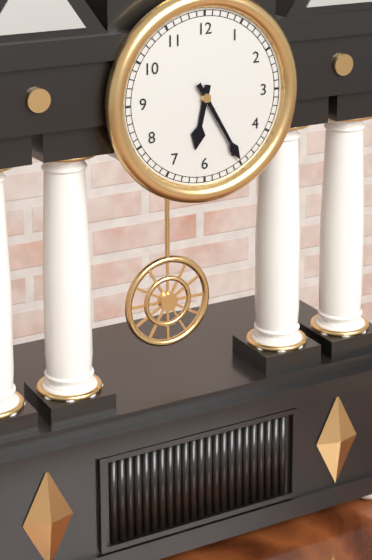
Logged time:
6h25
